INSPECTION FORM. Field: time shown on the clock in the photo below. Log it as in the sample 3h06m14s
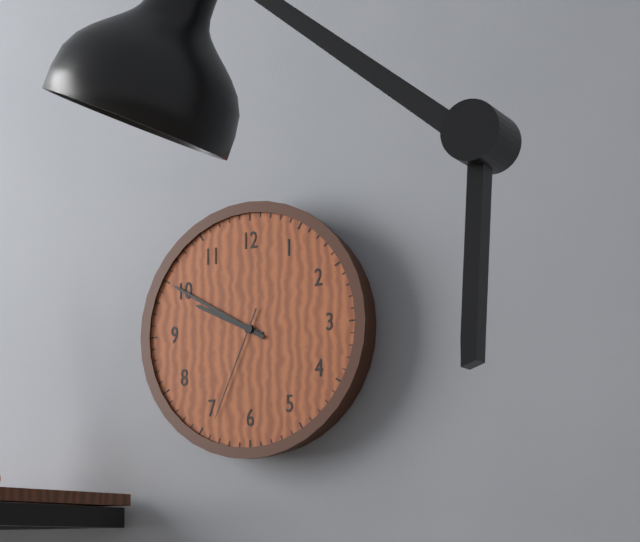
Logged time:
9h50m34s
